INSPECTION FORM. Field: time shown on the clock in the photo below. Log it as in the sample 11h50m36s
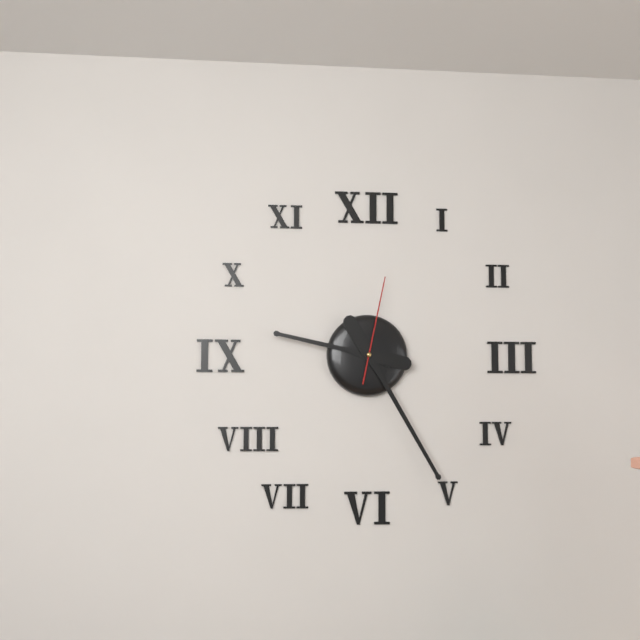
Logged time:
9h25m02s
